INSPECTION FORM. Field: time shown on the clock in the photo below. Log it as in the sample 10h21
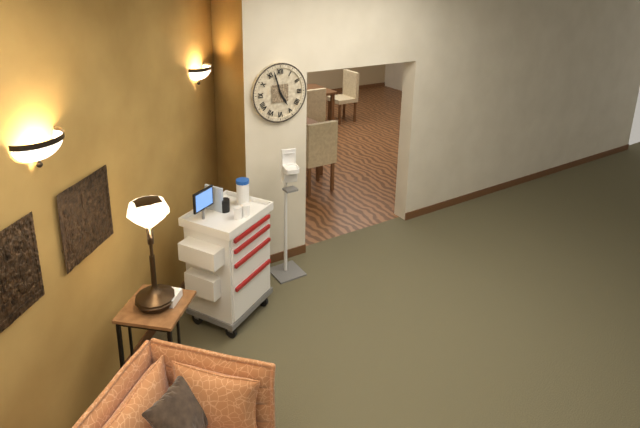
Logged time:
4h57
